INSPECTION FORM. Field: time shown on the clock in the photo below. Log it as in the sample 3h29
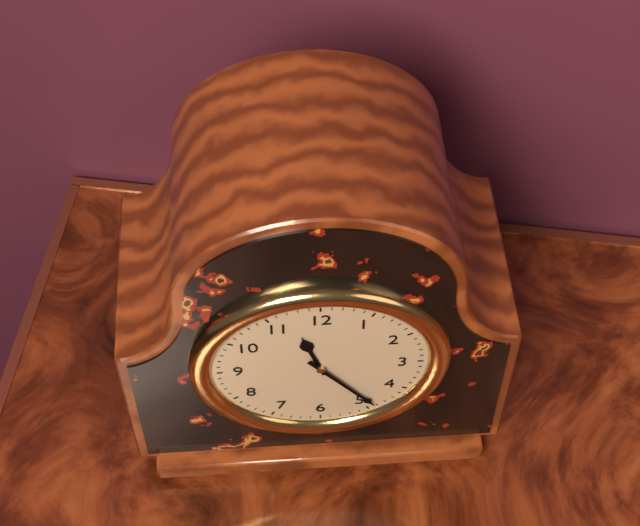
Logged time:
11h24
